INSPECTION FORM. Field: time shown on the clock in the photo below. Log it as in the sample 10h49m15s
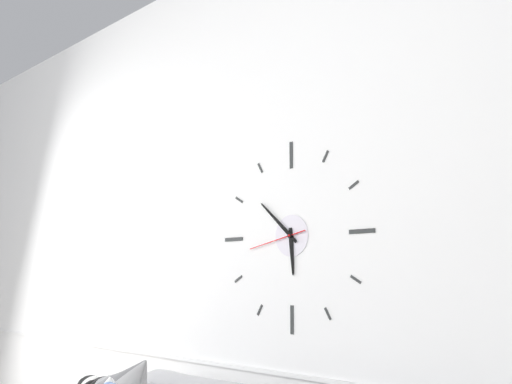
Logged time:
5h52m43s
